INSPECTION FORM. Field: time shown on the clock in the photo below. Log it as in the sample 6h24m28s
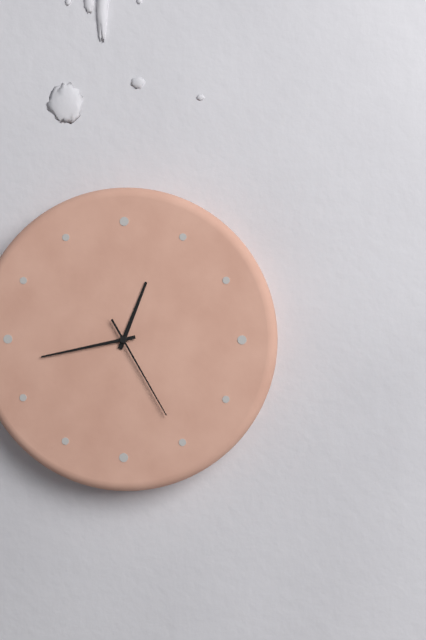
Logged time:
12h43m25s
